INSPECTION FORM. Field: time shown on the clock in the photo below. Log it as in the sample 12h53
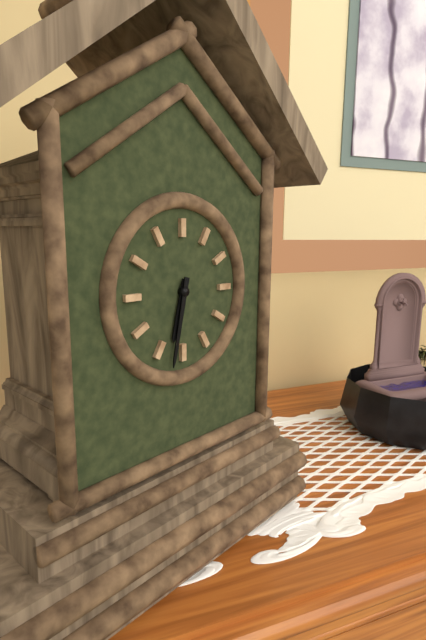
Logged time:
6h32
